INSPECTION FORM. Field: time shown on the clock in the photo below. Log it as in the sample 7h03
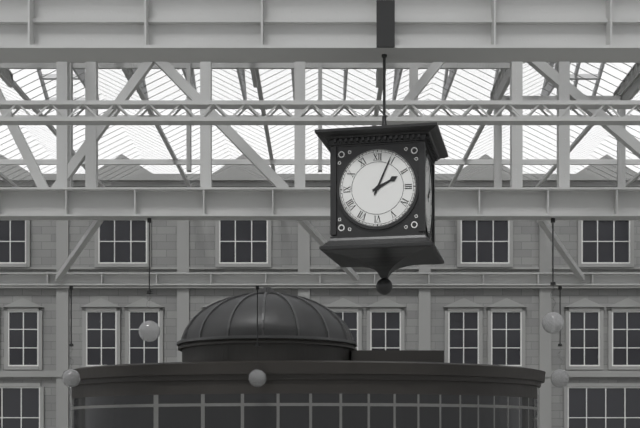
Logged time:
2h04
